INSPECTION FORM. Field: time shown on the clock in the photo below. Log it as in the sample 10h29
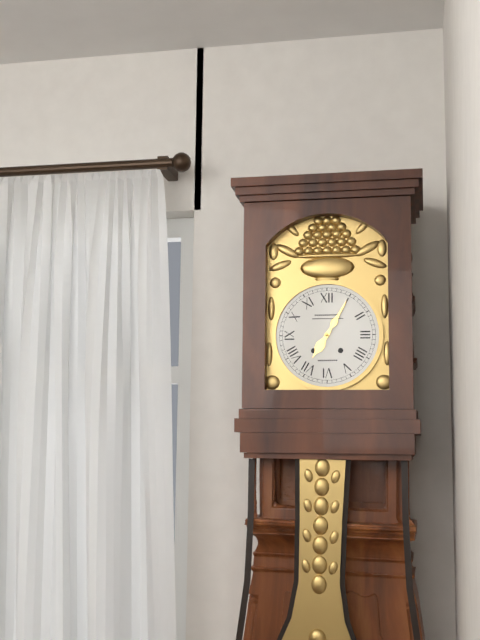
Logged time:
7h05
